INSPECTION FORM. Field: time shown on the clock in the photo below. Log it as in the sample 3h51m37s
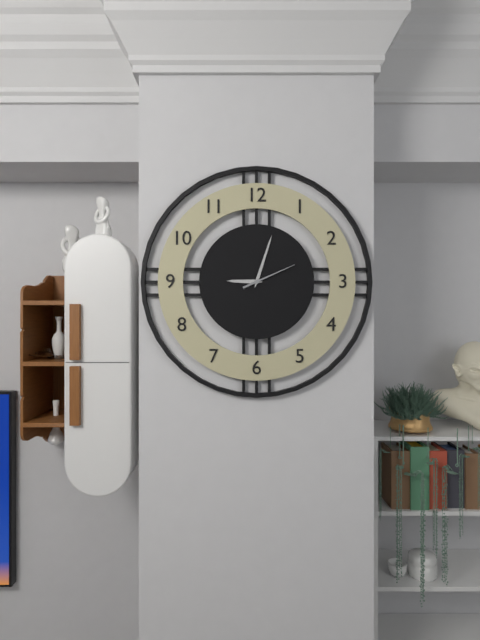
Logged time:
9h03m11s
